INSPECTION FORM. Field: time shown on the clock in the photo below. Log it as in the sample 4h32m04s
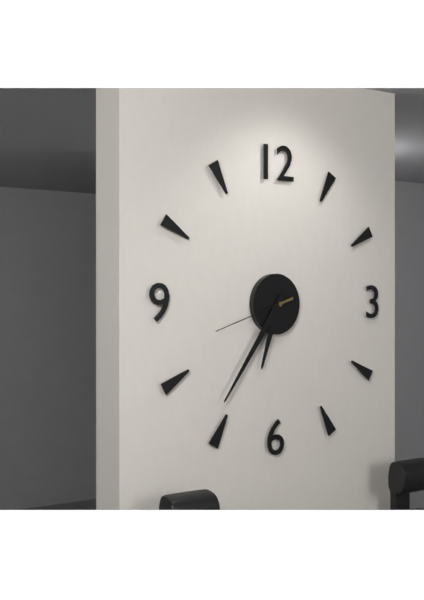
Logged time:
6h36m42s
